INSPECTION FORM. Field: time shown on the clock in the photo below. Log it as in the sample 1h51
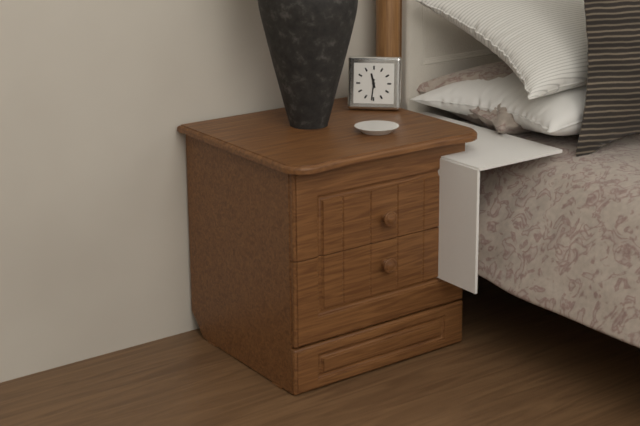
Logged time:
11h31
